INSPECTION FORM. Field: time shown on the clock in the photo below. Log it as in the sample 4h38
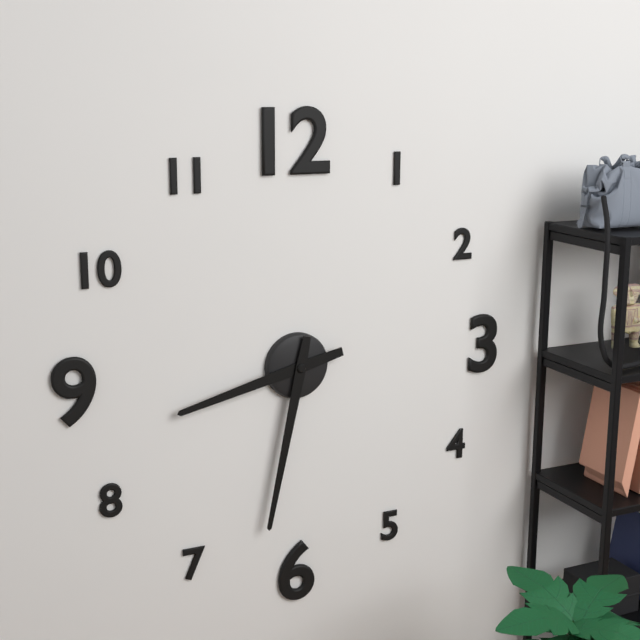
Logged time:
8h32
